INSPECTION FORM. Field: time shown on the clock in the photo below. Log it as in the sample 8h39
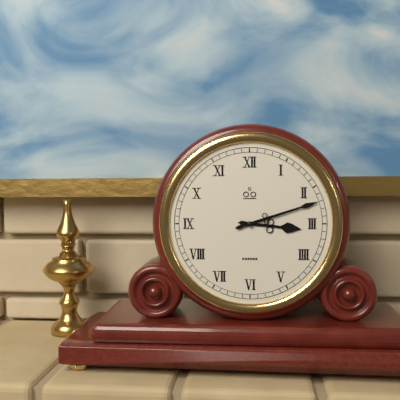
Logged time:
3h12
